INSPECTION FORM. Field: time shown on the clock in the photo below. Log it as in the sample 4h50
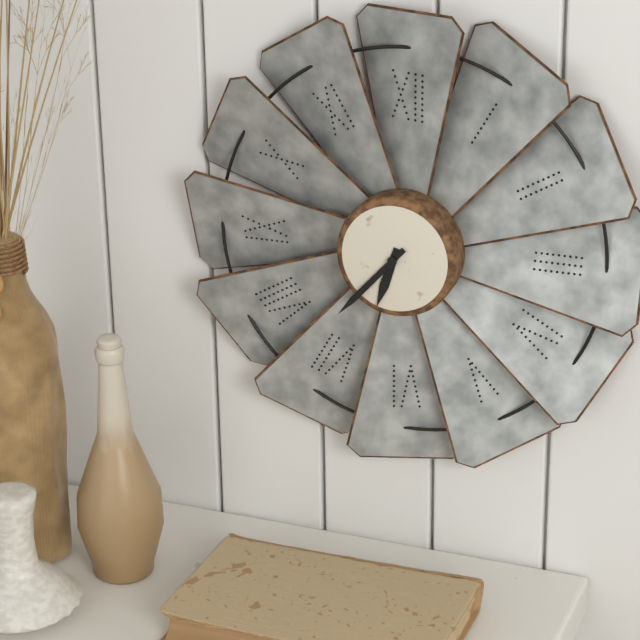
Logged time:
6h37
